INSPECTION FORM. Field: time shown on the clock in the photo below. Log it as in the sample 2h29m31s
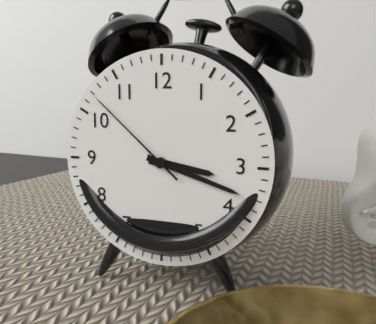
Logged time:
3h18m52s
